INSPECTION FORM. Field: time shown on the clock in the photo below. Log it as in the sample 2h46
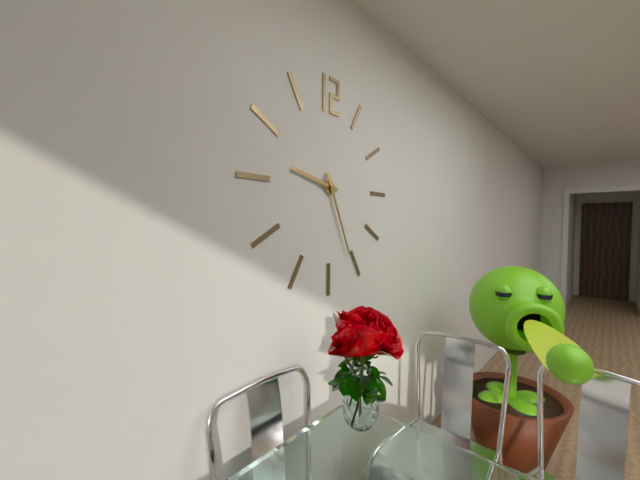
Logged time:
9h26
